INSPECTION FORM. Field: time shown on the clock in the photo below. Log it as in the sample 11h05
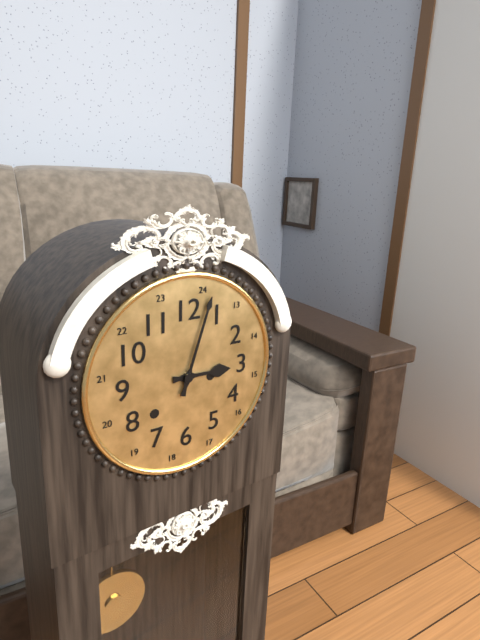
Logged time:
3h03
